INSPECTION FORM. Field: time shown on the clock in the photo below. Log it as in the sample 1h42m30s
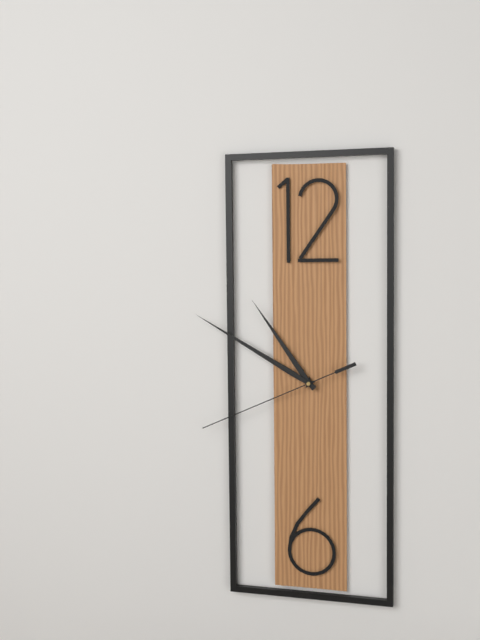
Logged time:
10h50m41s
